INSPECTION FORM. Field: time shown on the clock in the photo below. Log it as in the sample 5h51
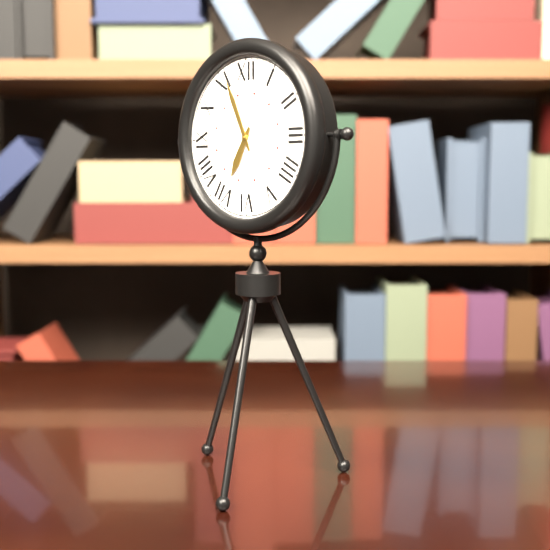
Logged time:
6h56
